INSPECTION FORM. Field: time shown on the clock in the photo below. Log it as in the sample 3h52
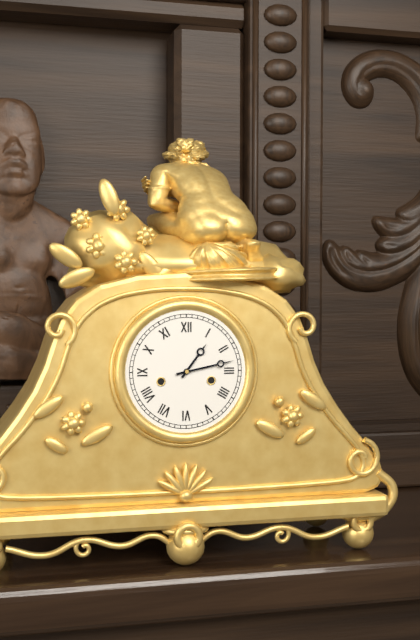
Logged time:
1h13
